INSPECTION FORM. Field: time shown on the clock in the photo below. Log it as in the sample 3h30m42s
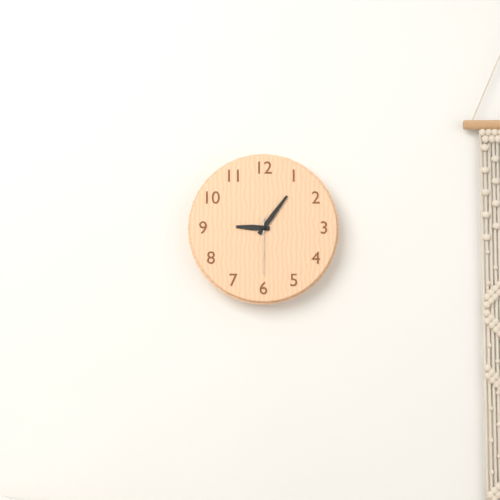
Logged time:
9h06m30s
